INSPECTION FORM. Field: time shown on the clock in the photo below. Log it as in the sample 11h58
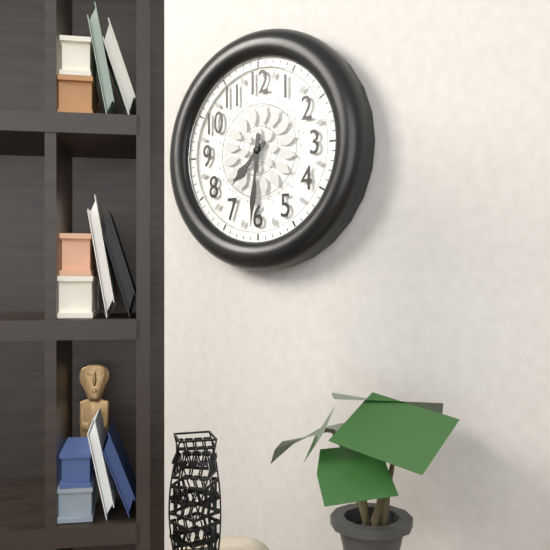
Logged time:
7h31
